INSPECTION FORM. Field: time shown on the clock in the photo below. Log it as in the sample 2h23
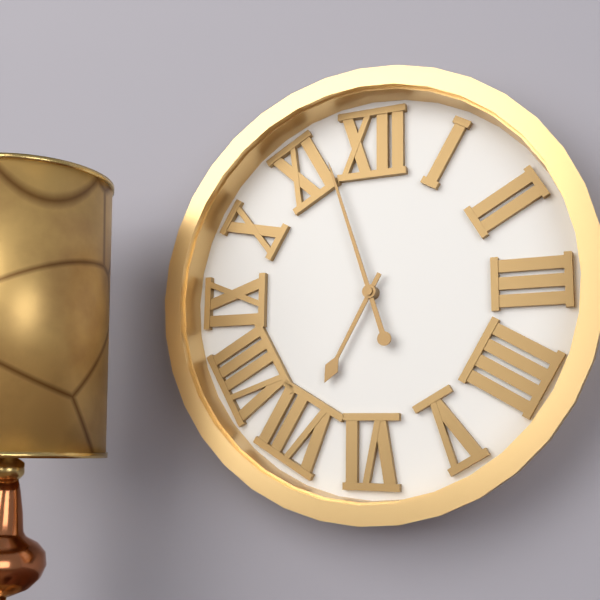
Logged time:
6h57
